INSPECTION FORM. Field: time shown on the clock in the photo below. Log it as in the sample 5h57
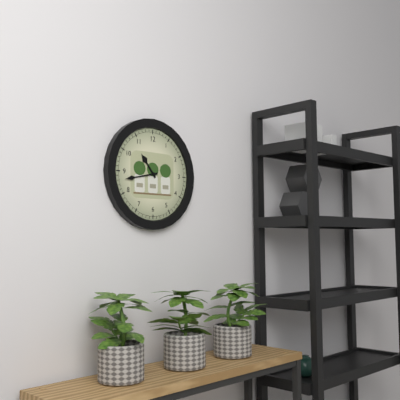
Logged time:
10h43
